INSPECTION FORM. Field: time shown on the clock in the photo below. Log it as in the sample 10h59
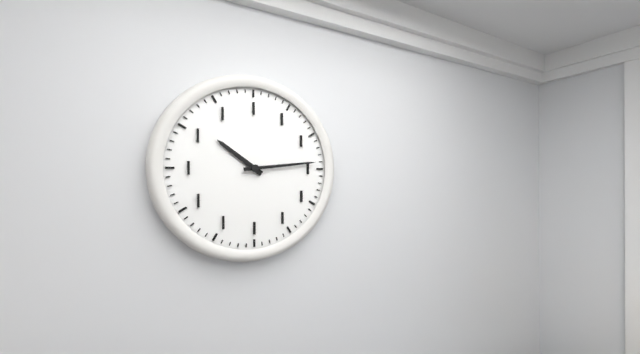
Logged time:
10h14
